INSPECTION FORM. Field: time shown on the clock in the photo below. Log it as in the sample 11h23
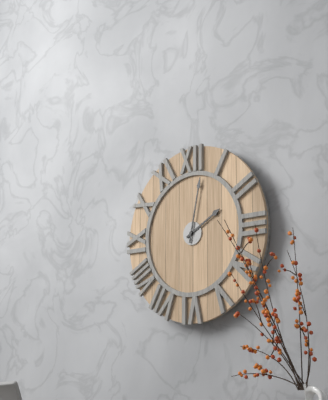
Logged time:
2h02
